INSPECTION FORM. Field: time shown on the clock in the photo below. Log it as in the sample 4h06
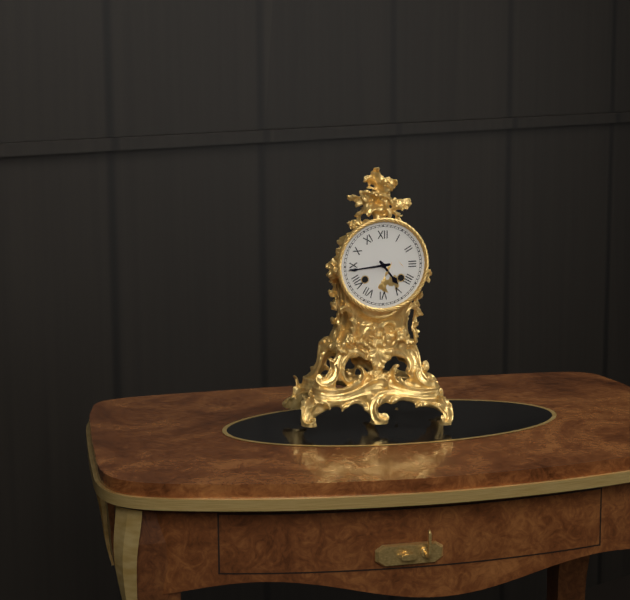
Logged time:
4h44
